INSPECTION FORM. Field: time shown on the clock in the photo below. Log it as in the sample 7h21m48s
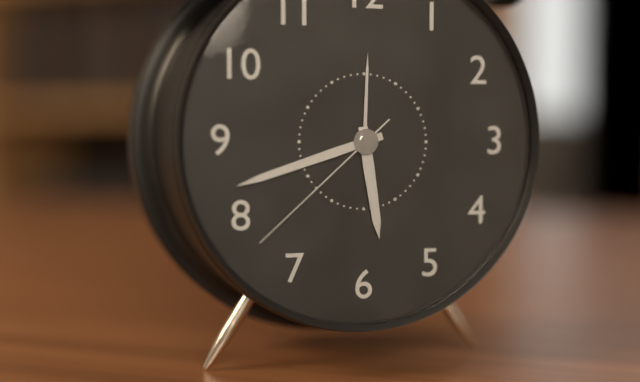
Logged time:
5h42m38s
